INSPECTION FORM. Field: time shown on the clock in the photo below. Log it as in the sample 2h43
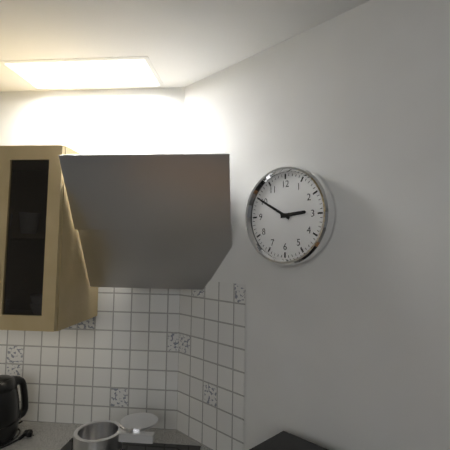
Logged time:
2h50
